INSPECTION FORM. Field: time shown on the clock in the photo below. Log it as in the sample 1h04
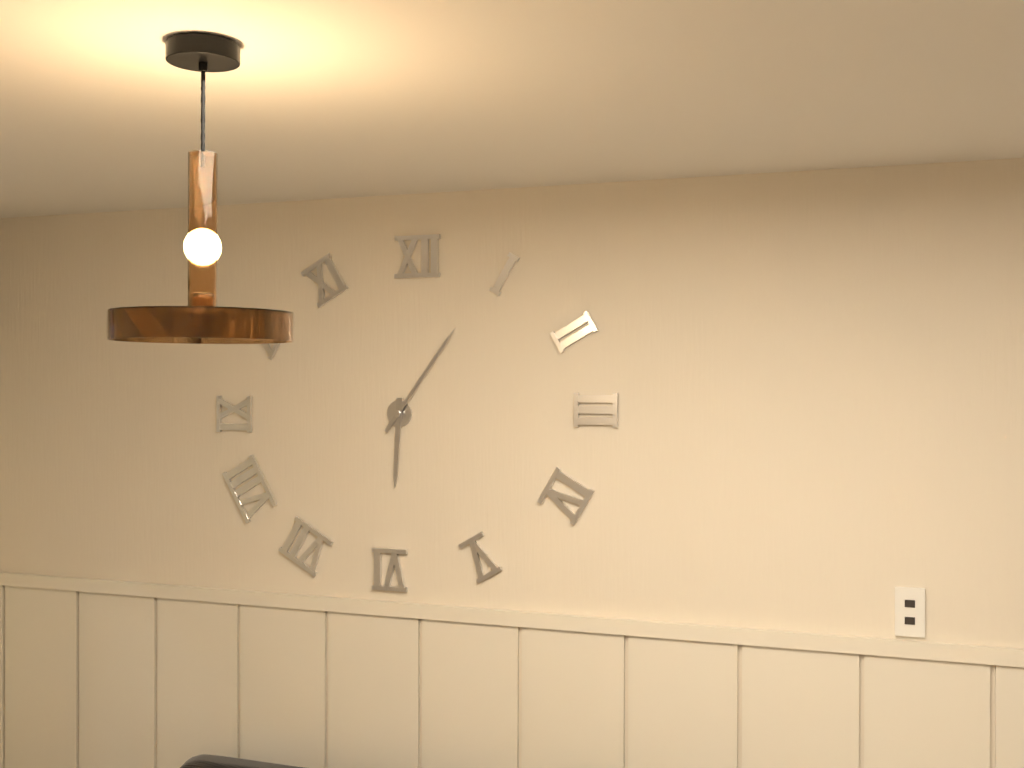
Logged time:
6h06
